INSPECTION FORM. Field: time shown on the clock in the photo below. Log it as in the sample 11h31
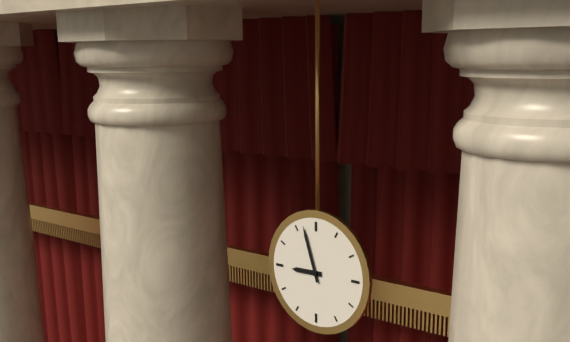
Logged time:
8h57
